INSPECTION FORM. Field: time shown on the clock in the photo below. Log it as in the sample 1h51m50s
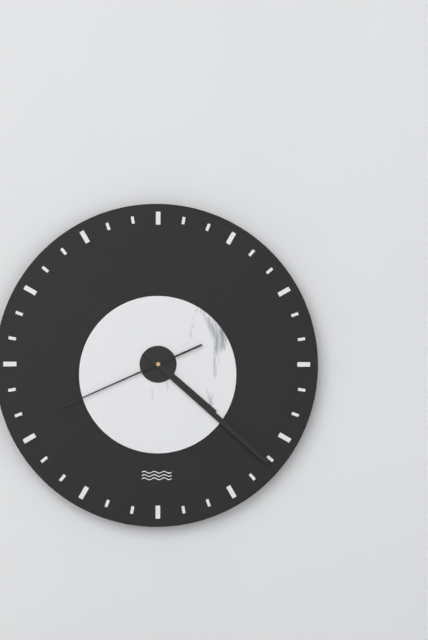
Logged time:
4h22m41s
